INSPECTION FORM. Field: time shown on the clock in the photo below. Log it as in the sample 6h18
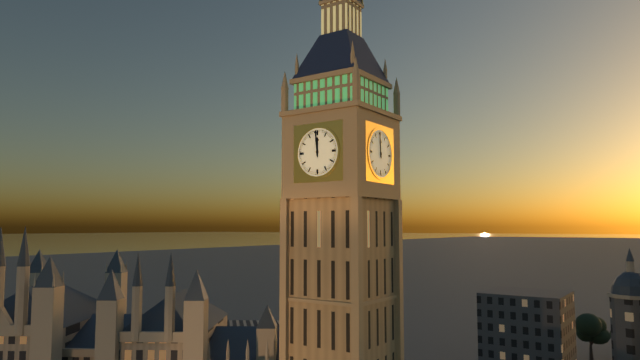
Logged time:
11h59
